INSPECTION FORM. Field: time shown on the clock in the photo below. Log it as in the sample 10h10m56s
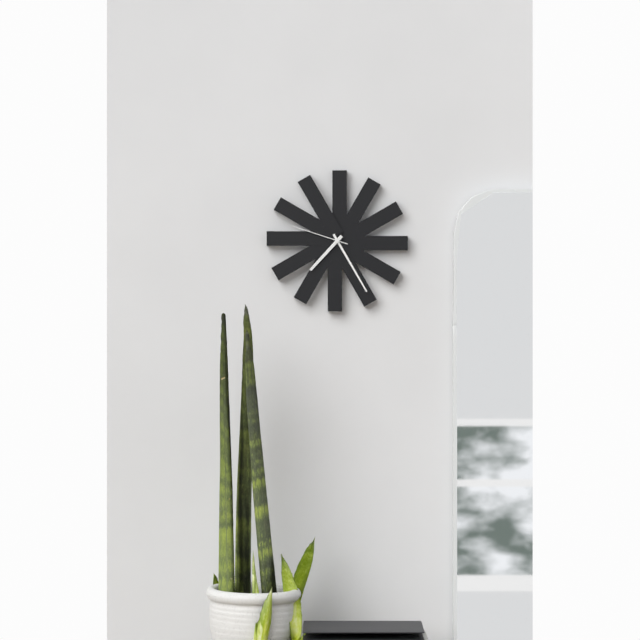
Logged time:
7h25m48s
